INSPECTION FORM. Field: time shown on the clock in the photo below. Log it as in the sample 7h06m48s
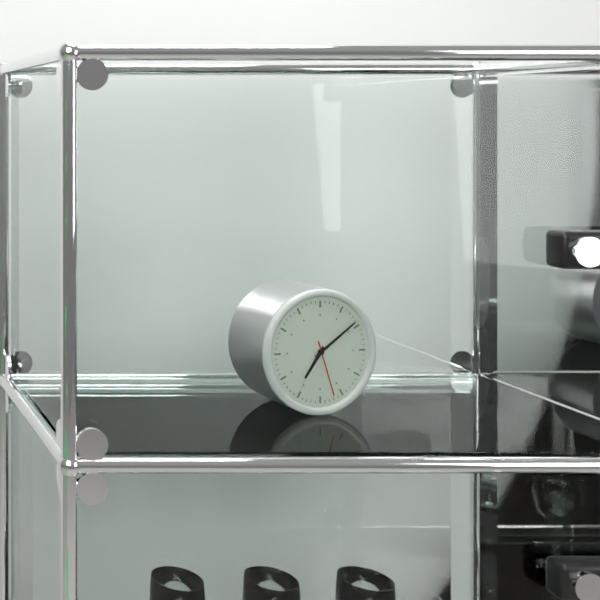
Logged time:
7h09m27s
